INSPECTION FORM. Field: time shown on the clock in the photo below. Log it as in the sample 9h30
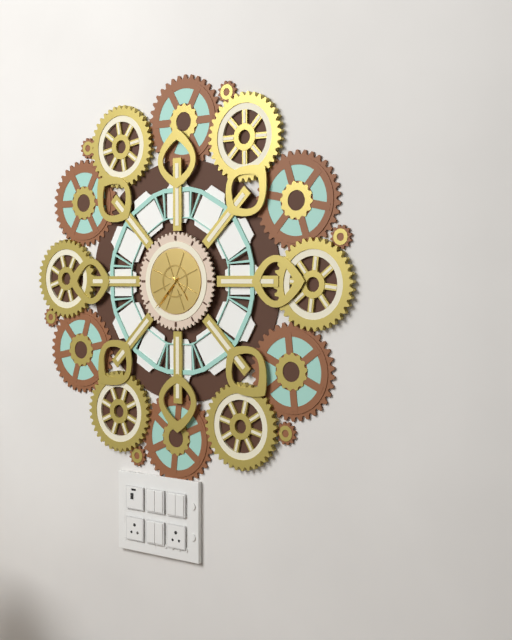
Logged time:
4h37
